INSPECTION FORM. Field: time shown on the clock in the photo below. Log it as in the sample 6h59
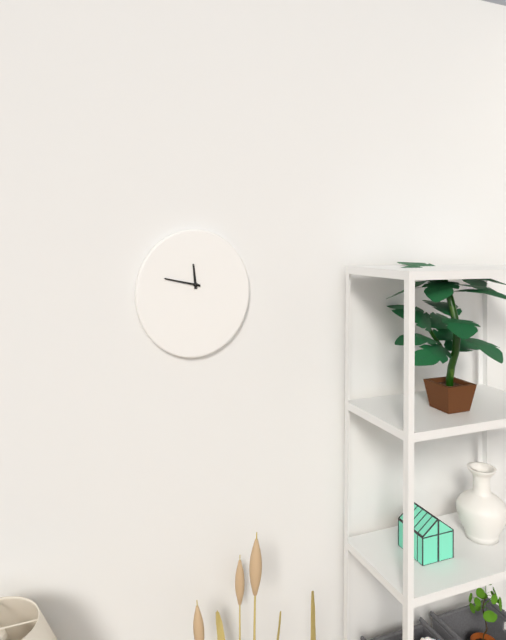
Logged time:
11h47
